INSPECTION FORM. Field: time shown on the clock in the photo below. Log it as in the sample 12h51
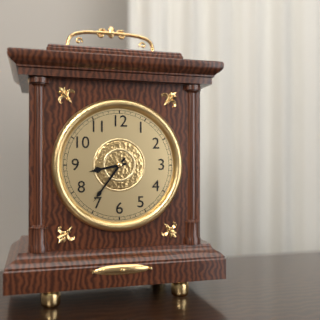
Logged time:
8h36
